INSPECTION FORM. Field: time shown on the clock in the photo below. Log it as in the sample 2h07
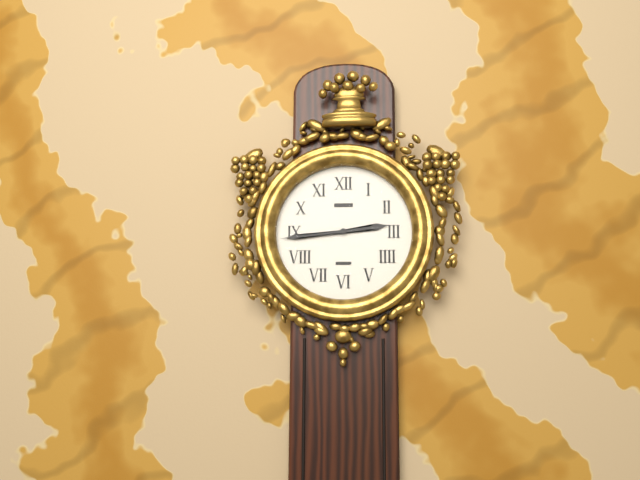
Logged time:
2h44
